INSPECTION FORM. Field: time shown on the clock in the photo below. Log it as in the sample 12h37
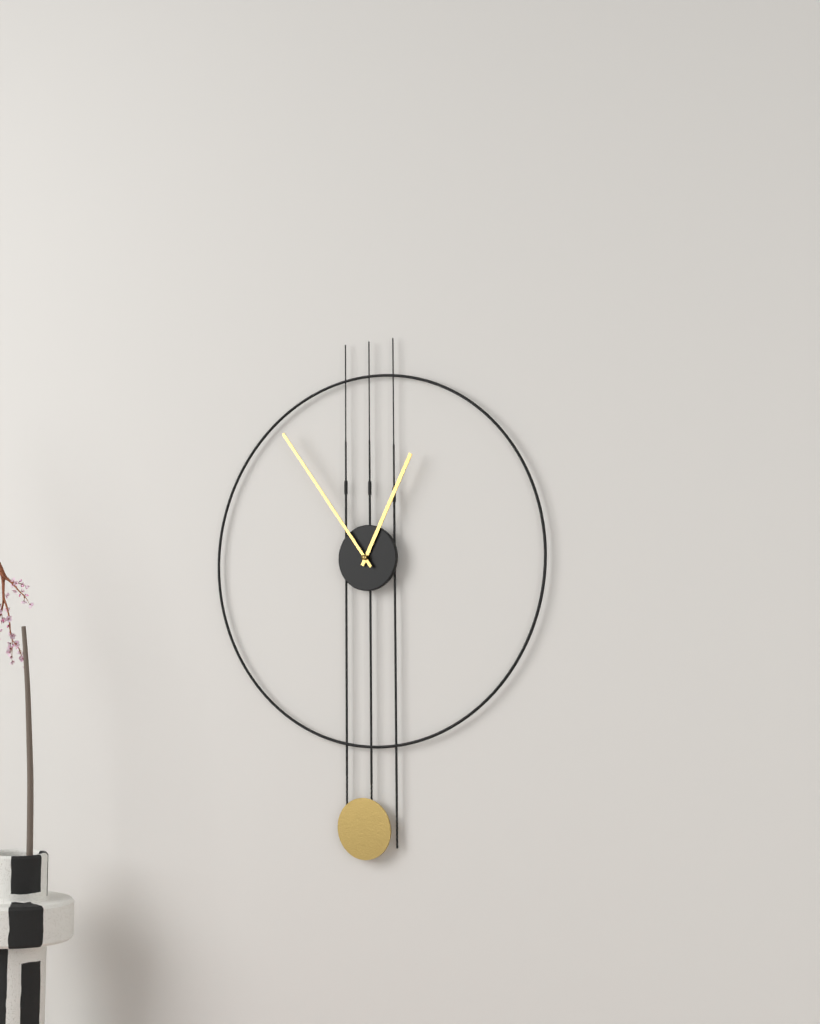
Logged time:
12h54
